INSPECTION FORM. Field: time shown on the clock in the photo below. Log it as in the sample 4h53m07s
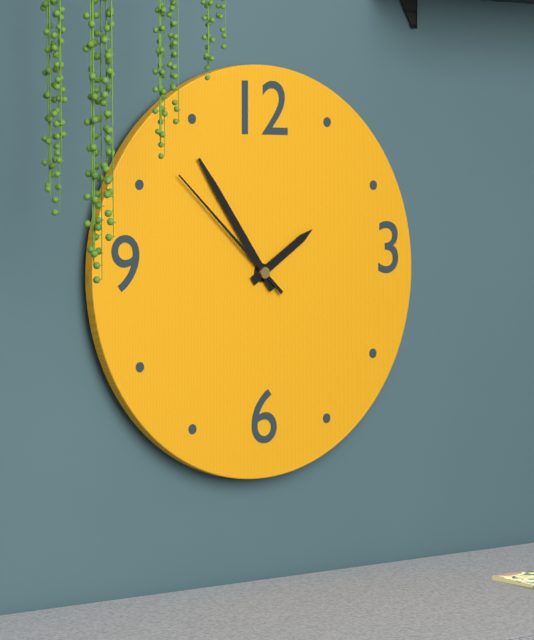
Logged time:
1h54m52s
